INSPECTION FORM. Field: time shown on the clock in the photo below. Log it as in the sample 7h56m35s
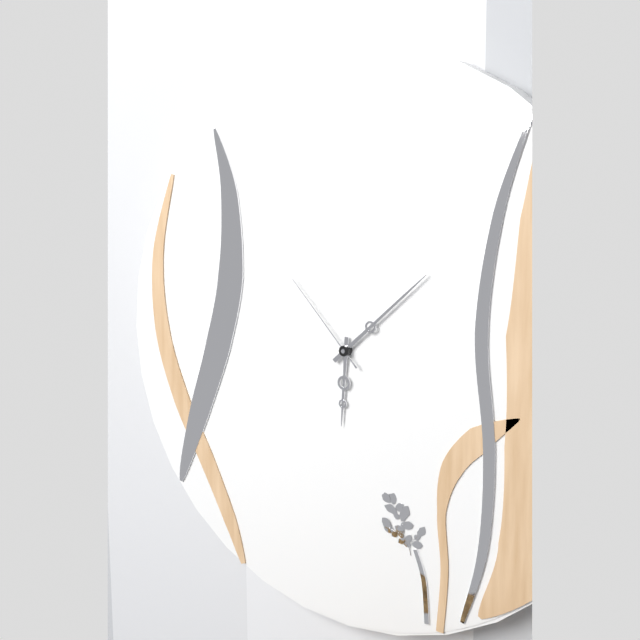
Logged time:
6h08m53s
